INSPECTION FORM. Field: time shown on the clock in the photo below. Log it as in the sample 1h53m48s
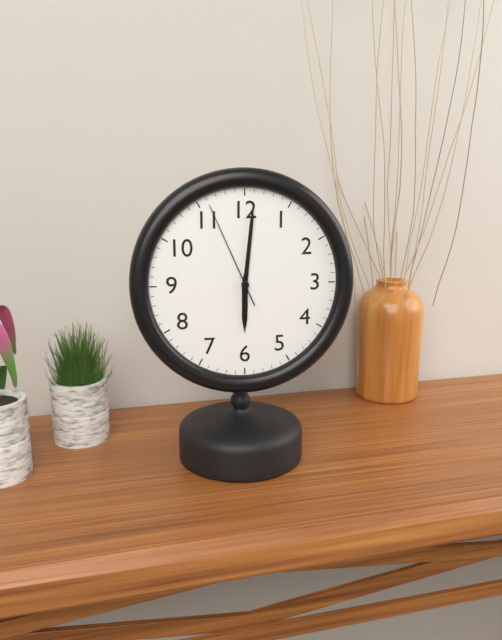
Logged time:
6h01m56s
